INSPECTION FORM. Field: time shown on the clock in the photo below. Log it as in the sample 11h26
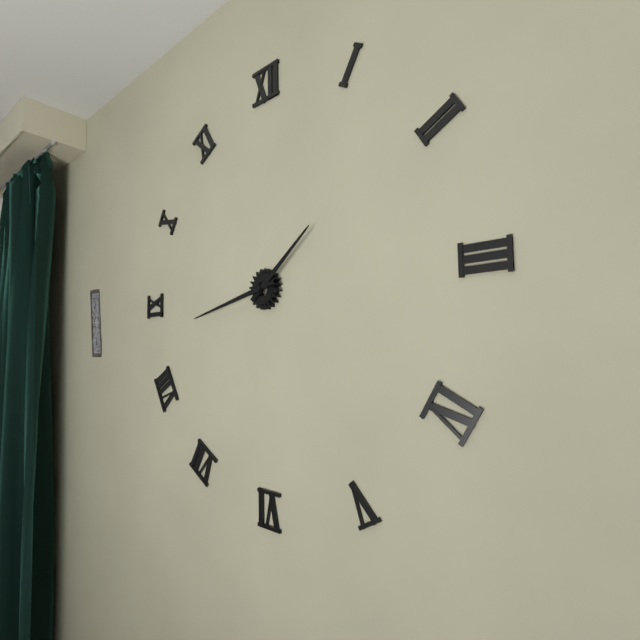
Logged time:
1h43
